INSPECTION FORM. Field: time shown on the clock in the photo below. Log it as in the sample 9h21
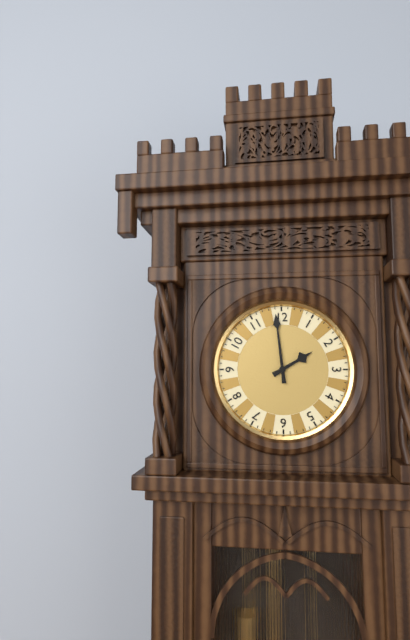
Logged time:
1h59
